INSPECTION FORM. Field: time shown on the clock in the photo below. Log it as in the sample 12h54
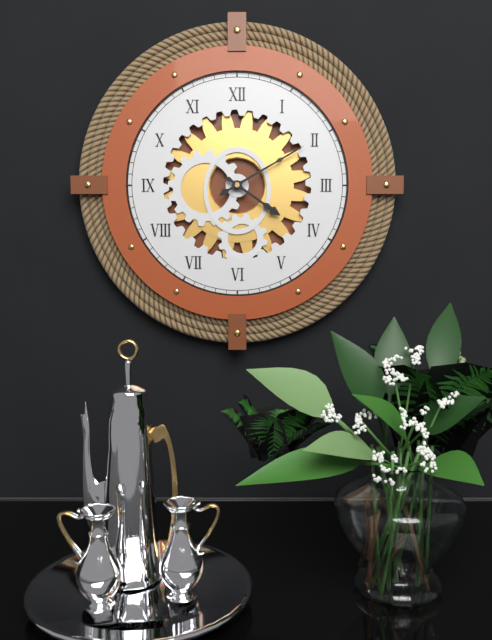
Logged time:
4h10
